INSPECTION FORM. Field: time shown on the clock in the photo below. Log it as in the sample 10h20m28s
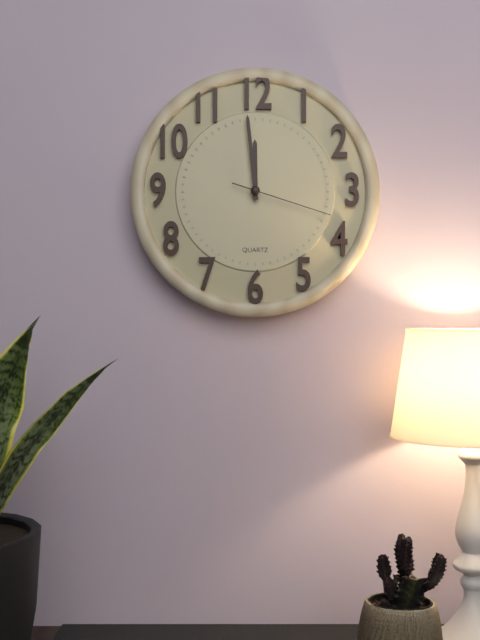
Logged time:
11h59m18s
